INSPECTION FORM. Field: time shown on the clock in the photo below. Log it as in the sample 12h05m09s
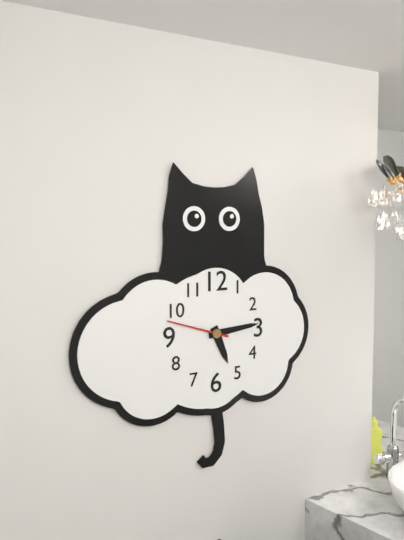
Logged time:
5h14m48s
